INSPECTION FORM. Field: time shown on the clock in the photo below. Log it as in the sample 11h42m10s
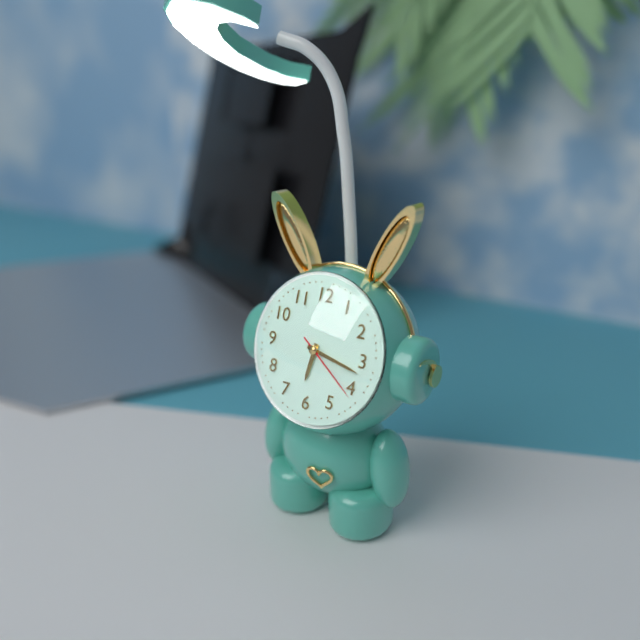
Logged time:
6h17m21s
